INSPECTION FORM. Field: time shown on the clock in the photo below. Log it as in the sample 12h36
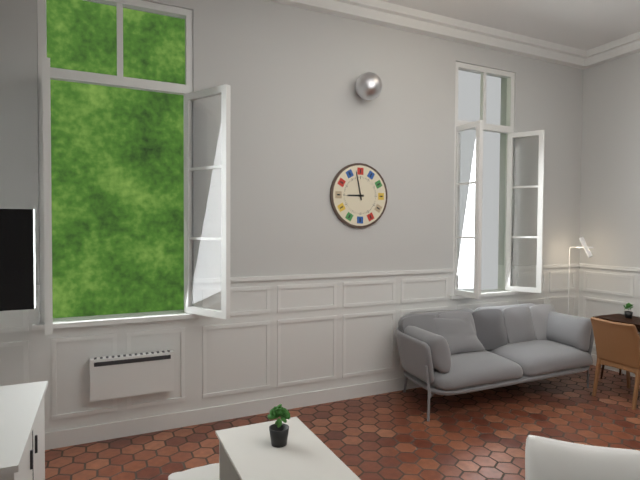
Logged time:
8h58
